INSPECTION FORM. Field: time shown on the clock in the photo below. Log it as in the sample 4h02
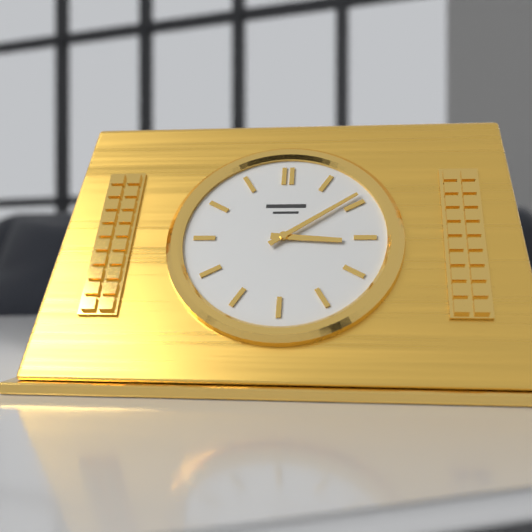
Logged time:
3h09
